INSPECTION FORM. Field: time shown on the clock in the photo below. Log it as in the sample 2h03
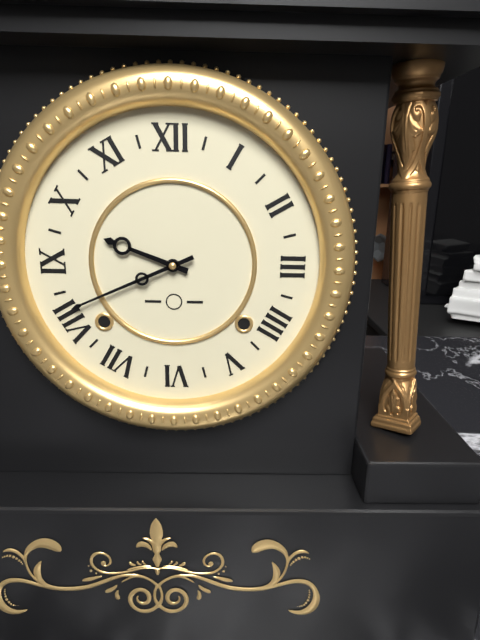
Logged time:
9h41
